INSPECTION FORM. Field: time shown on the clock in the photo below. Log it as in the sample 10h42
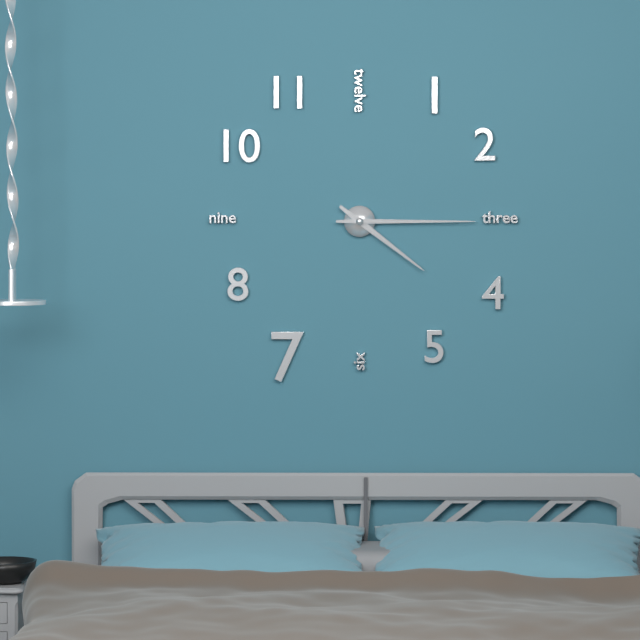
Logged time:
4h15
